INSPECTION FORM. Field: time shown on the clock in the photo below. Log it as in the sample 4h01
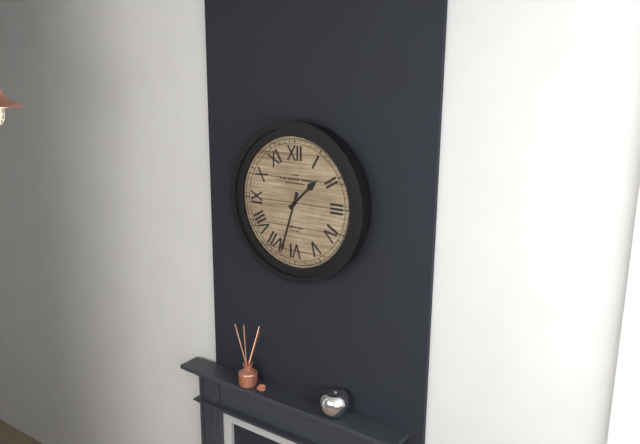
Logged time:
1h33
